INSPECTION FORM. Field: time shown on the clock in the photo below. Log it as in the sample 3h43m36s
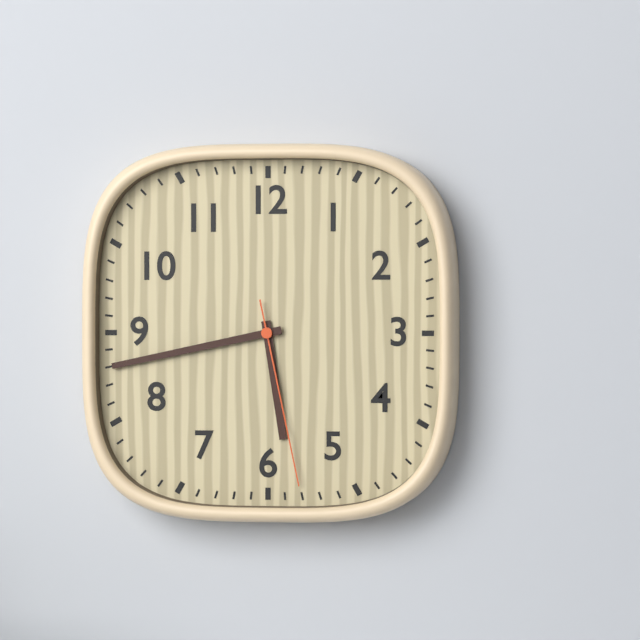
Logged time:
5h43m28s
